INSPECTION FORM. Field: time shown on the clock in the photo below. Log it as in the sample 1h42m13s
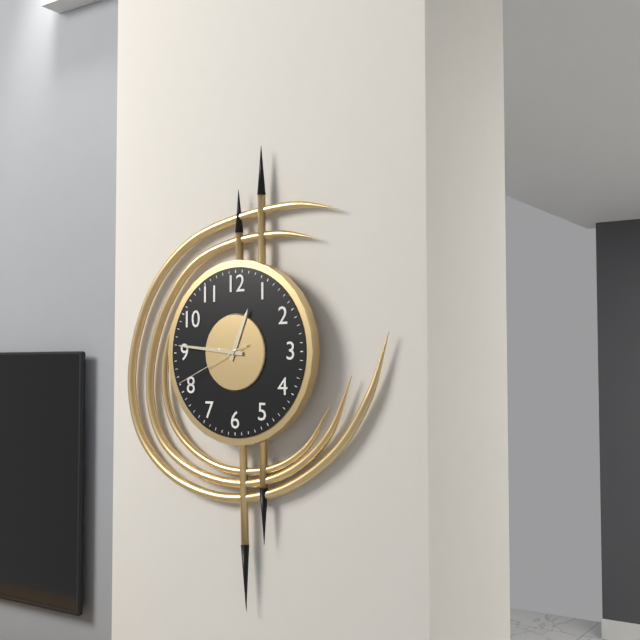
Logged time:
12h46m41s
